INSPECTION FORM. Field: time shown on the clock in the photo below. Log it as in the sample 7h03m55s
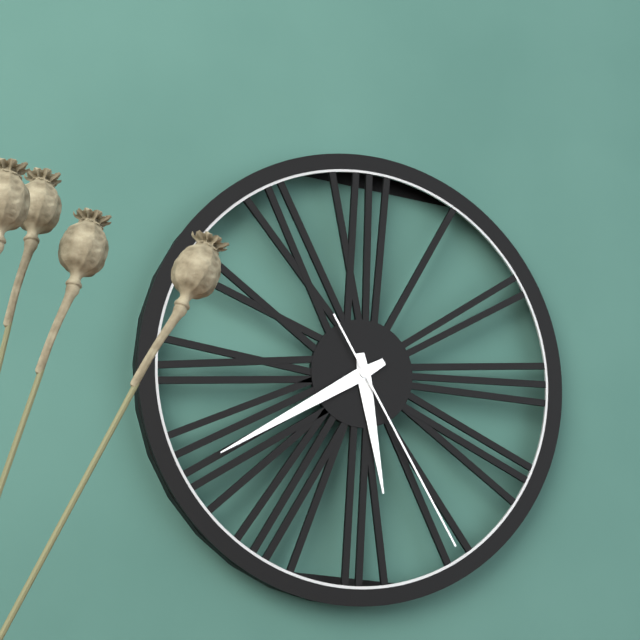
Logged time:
5h40m25s
